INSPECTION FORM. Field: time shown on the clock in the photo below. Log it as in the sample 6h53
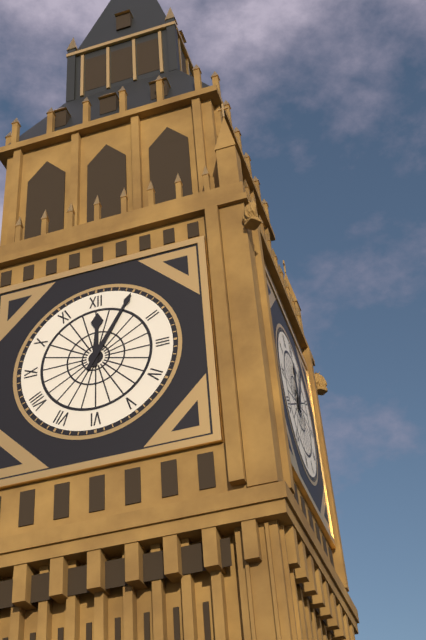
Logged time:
12h05
